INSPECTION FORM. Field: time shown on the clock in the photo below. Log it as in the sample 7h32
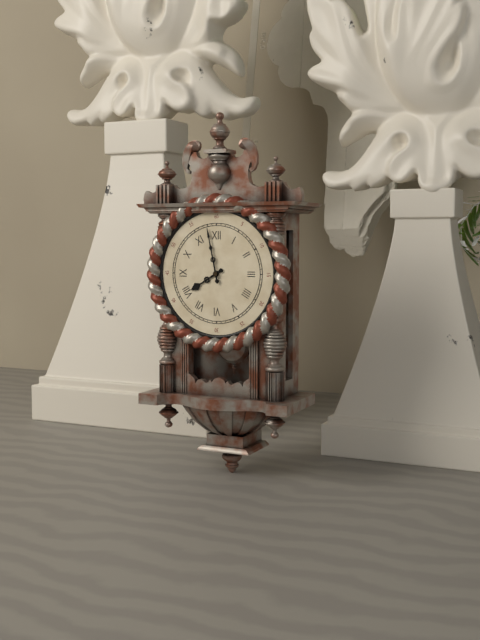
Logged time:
7h58
